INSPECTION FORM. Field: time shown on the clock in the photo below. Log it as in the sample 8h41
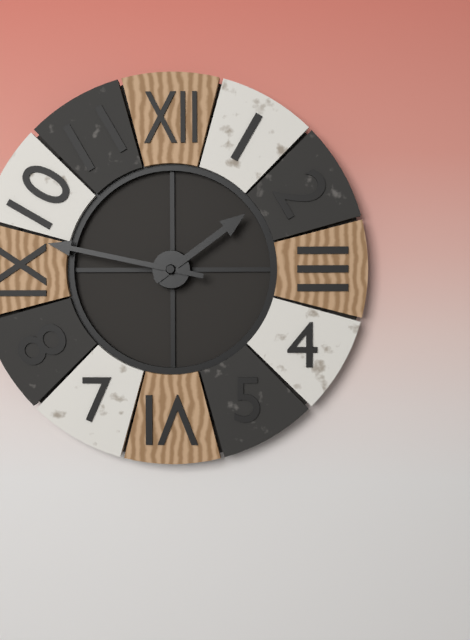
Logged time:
1h47
